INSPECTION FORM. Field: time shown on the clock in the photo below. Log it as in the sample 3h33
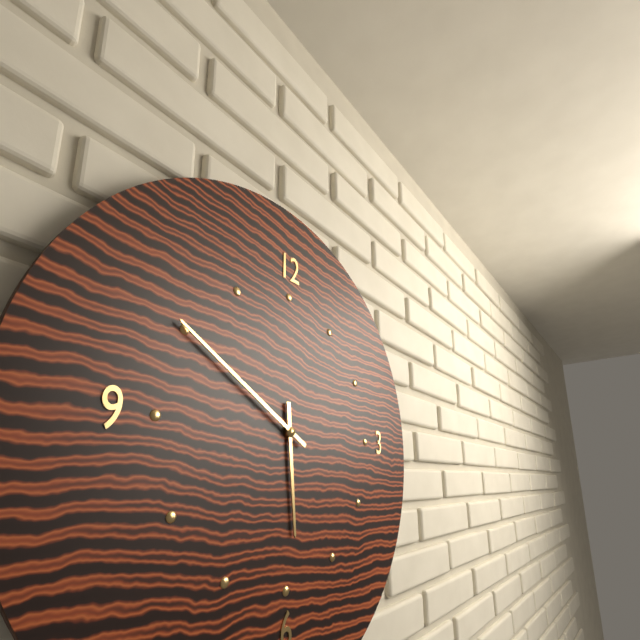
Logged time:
5h50
